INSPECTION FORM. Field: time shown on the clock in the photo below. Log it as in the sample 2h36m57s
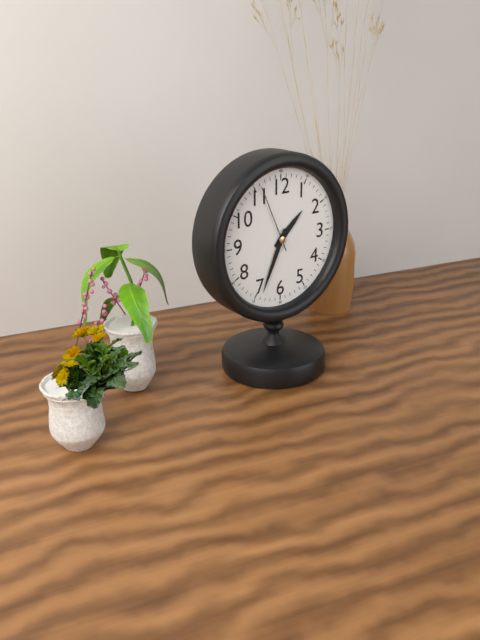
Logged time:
1h34m56s
